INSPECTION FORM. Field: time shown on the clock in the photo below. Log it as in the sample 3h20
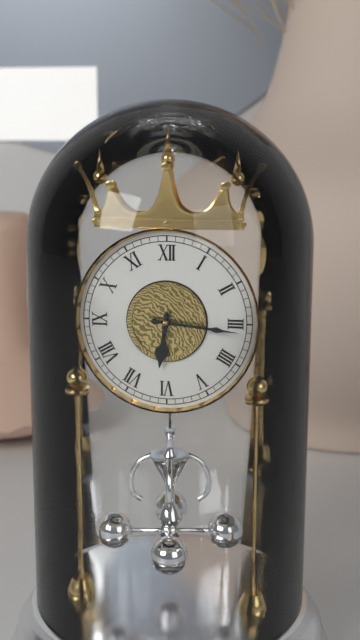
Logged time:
6h16
